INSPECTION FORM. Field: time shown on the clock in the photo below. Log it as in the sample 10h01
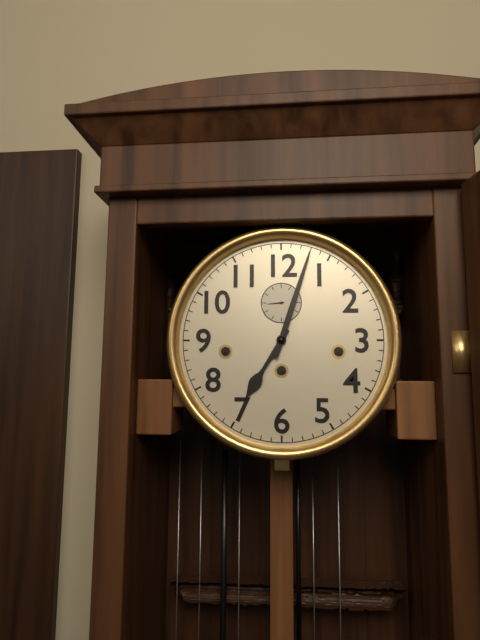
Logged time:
7h03
